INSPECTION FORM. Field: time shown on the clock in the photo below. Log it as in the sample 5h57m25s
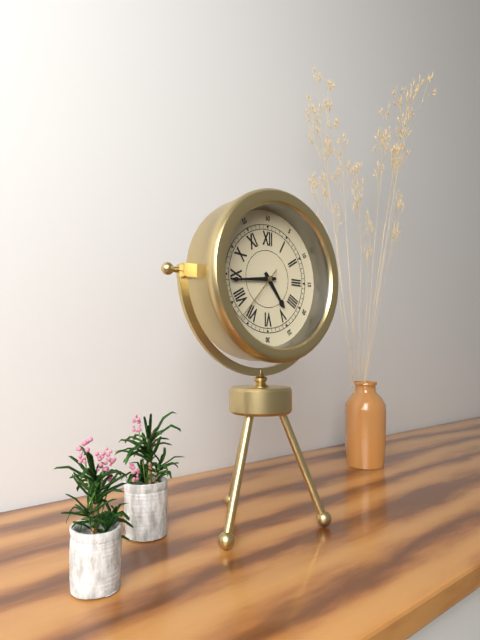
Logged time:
4h44m37s
